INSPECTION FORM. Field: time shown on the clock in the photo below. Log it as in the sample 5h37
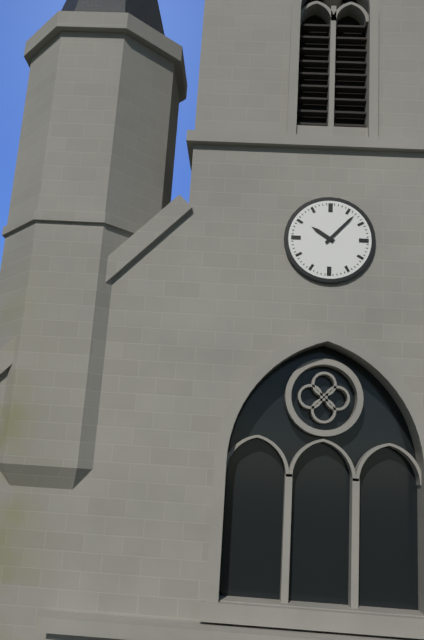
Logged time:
10h07
